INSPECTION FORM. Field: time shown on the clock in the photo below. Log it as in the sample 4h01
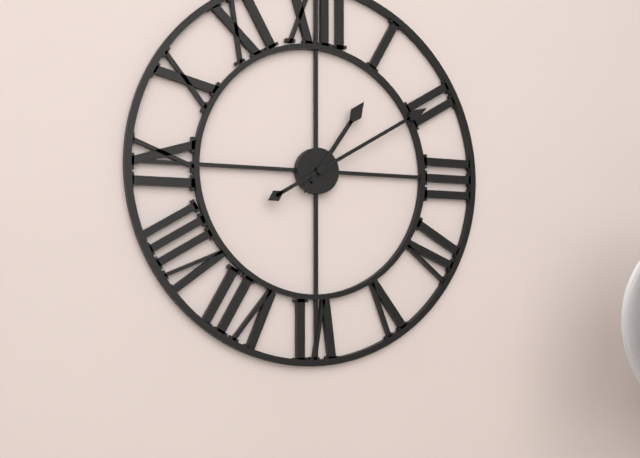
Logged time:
1h10
